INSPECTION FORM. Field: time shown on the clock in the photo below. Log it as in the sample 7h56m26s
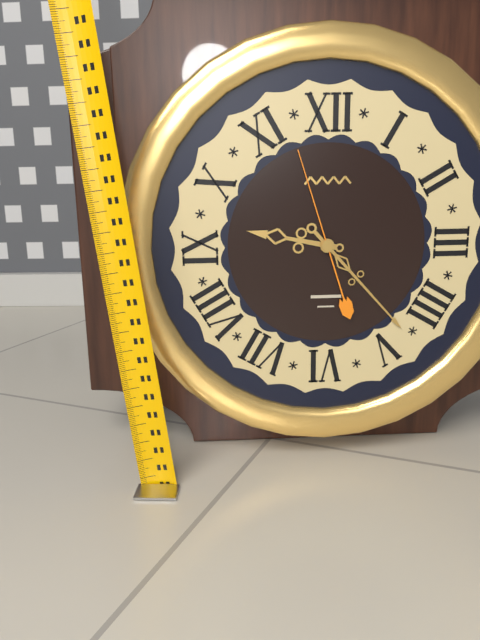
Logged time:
9h23m57s
